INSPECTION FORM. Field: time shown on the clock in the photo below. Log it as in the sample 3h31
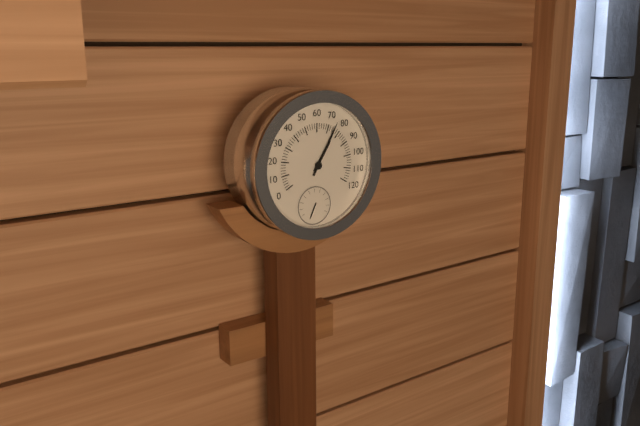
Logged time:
1h05
